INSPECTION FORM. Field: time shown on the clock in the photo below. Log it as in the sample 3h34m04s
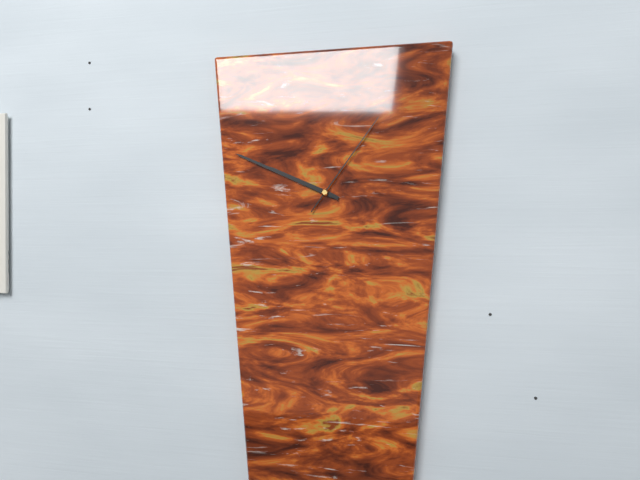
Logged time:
9h49m06s
